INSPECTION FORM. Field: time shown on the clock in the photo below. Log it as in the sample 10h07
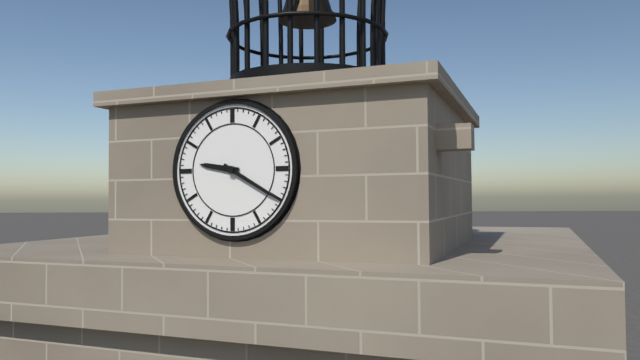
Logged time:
9h20
